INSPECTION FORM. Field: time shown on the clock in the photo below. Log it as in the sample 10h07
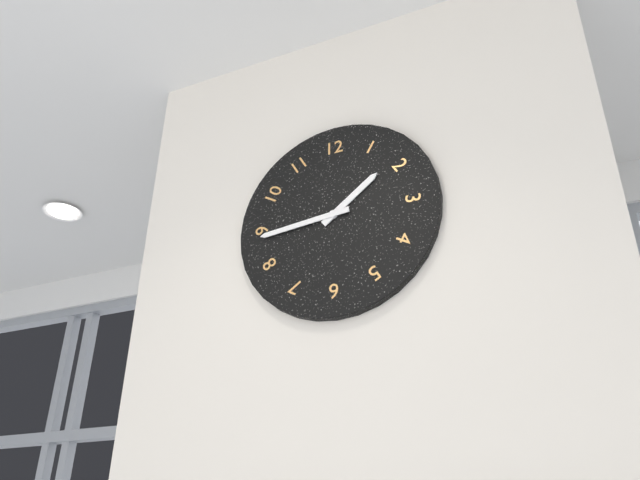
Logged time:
1h44
